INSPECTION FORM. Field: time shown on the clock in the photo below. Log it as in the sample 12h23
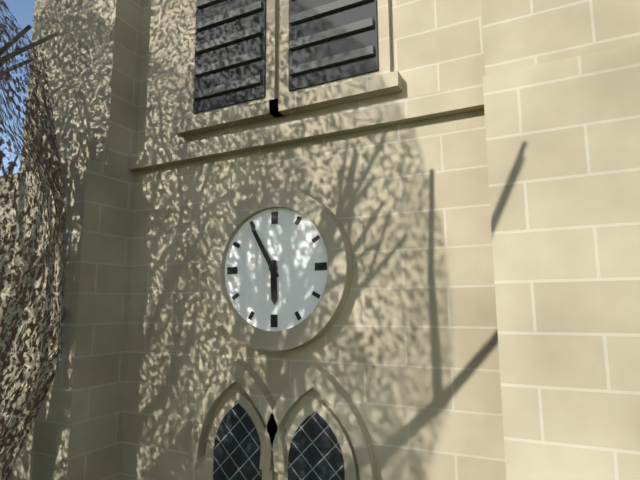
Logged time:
5h55
